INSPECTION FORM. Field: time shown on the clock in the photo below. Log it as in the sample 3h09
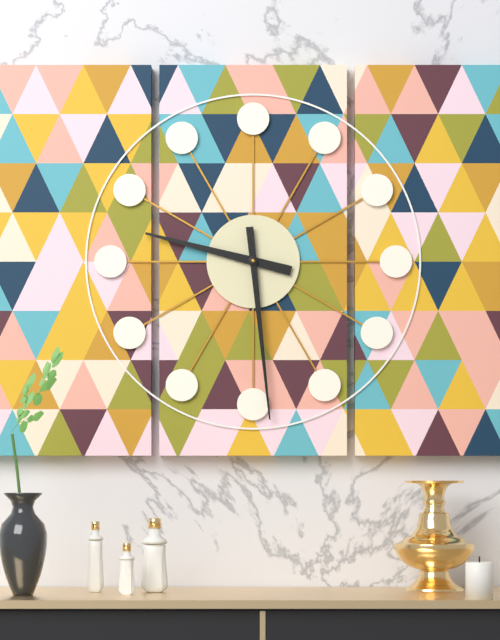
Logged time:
9h29
